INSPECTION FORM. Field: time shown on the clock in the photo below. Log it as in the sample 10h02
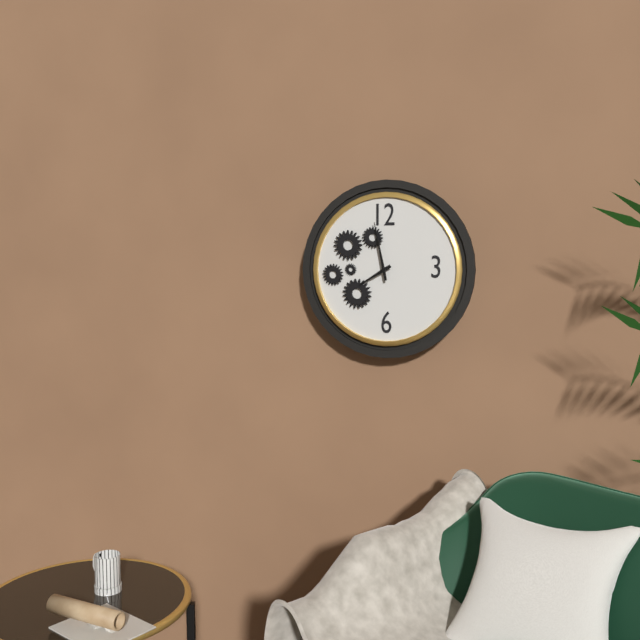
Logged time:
7h58
